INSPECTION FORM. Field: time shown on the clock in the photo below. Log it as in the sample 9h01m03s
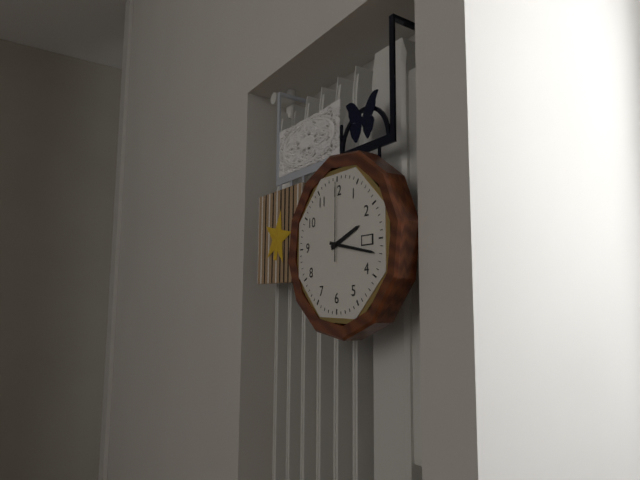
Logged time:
2h17m00s
